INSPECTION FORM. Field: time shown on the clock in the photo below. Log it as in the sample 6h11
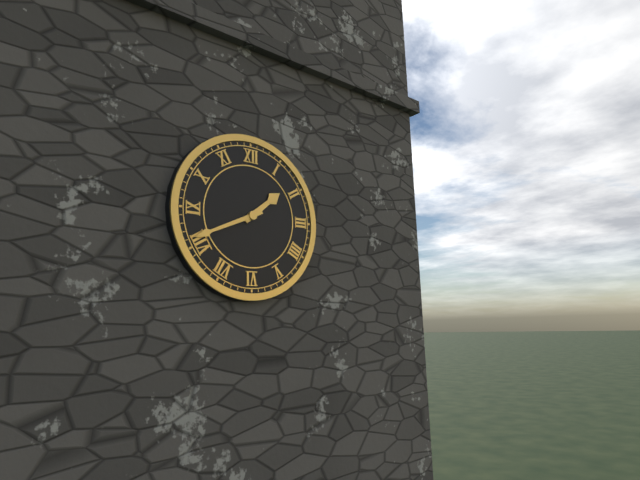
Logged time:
1h41
